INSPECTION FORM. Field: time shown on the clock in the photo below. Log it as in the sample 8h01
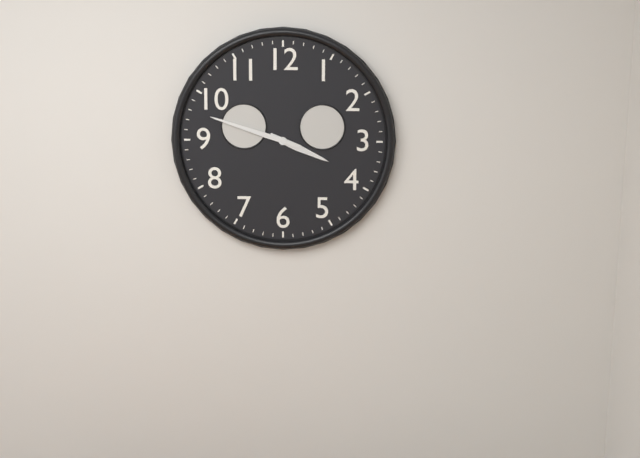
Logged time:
3h48
